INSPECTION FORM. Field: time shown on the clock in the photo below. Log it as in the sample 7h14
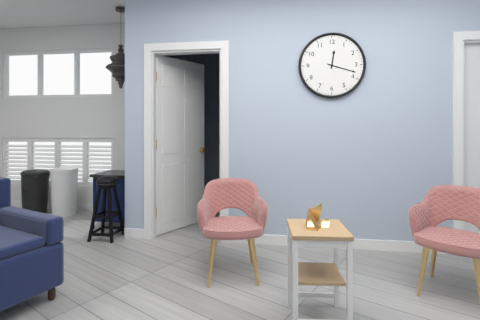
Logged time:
12h18
